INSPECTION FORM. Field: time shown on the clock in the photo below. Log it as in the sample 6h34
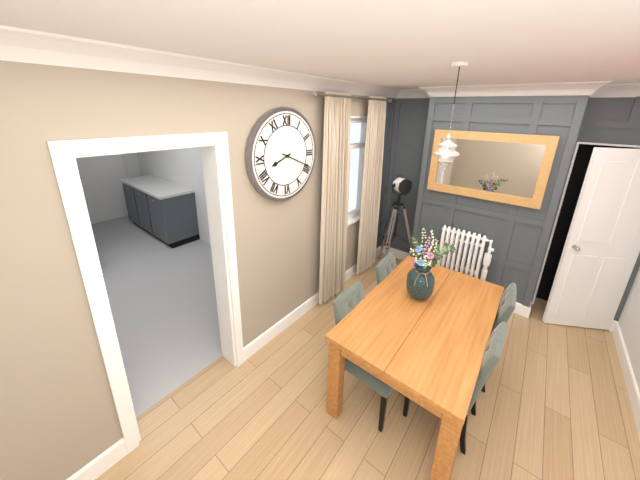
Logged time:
8h19
